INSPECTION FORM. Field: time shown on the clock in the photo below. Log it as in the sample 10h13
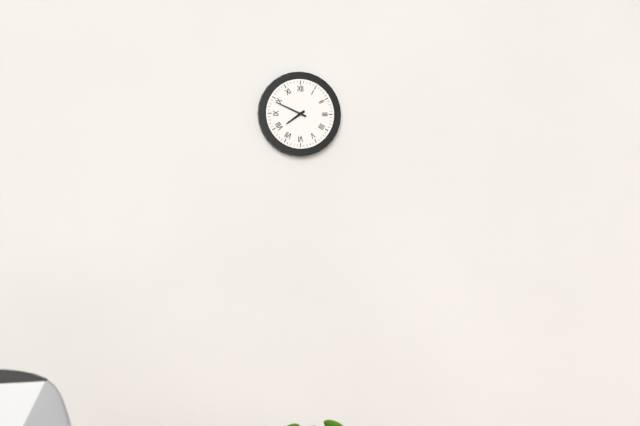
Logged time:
7h49
